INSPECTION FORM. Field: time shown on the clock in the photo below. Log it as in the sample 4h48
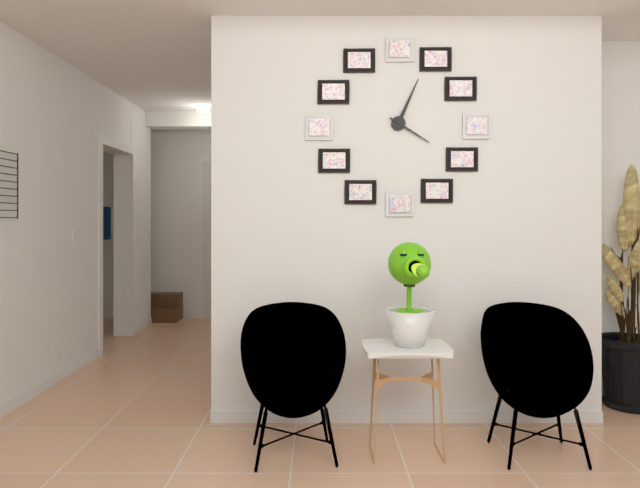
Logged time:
4h04
